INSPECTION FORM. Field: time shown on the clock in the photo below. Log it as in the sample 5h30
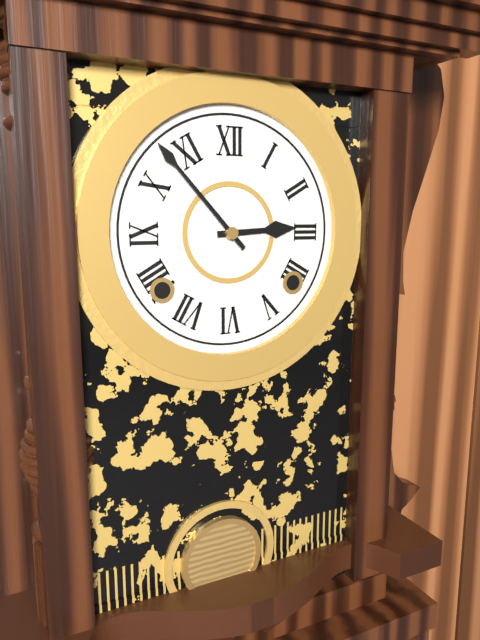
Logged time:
2h53
